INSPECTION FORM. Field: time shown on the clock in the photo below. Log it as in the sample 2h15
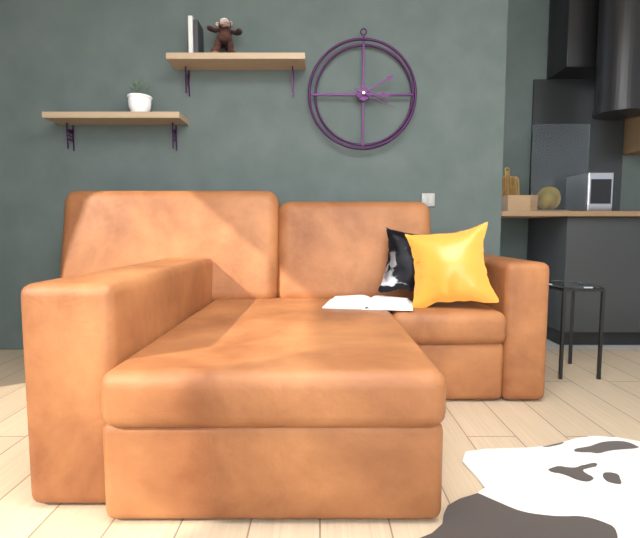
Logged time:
3h10
